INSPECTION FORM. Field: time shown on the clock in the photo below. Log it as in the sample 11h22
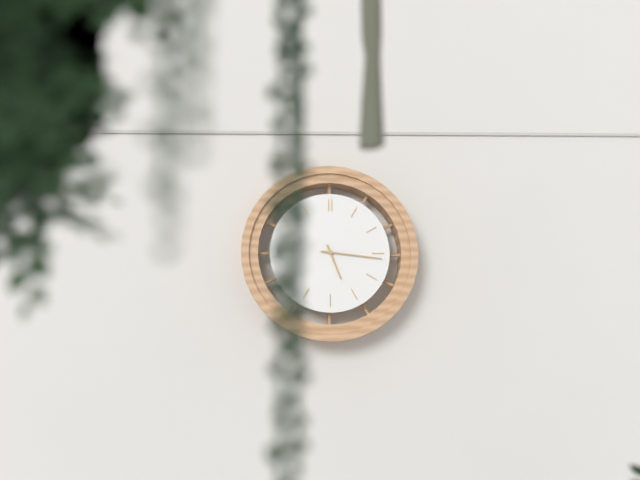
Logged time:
5h16
